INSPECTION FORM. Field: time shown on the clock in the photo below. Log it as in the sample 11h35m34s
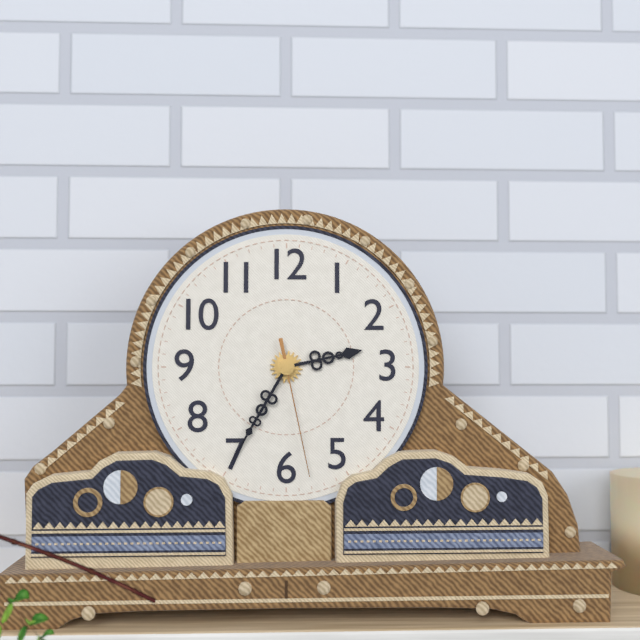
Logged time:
2h35m28s
